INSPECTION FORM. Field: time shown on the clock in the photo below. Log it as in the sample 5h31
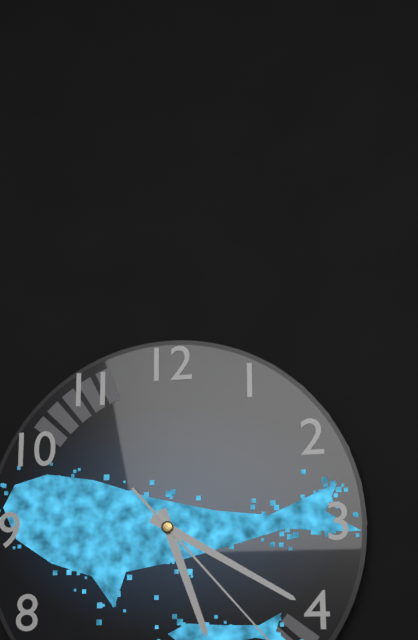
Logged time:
5h20
